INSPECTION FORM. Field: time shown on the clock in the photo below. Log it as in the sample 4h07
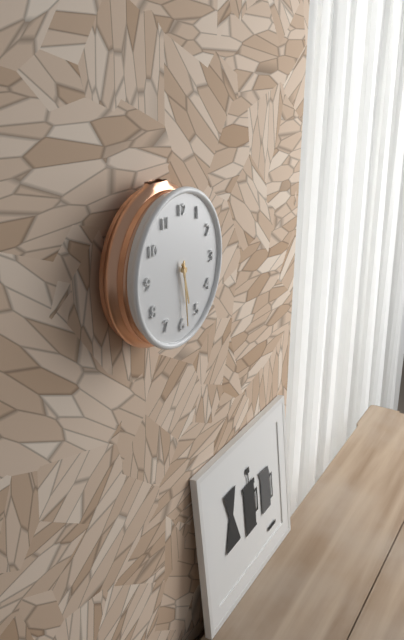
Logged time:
5h29
